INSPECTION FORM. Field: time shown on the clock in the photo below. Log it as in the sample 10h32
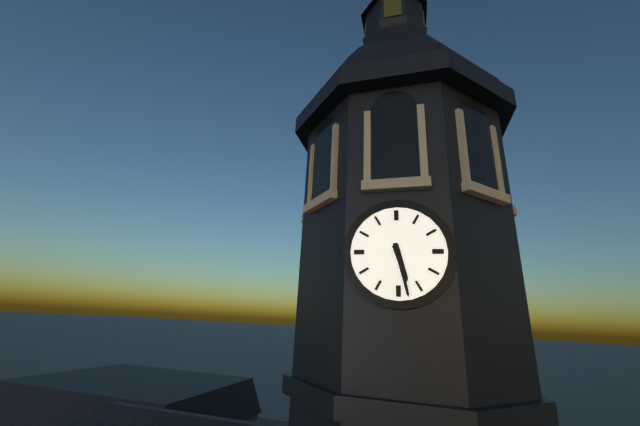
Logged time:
5h28
